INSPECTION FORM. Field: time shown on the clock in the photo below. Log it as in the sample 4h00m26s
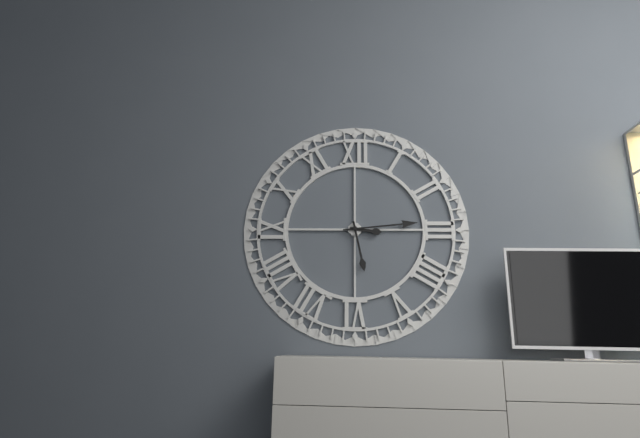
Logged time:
3h14m28s
